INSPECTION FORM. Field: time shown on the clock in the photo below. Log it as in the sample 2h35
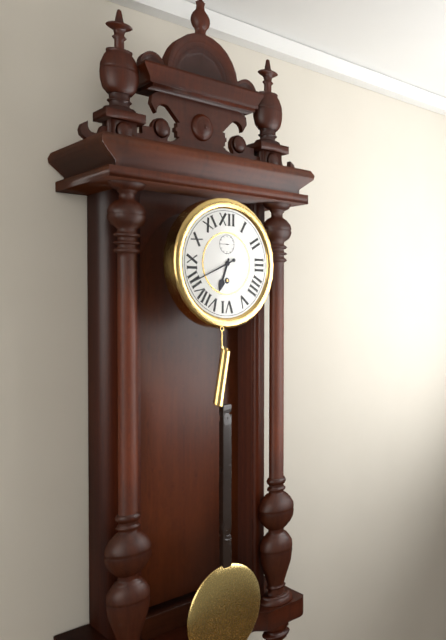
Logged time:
6h41
